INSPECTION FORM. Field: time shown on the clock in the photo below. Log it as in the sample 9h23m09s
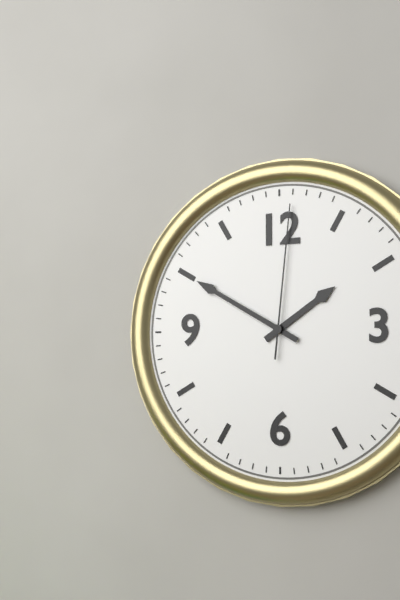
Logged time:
1h50m01s
